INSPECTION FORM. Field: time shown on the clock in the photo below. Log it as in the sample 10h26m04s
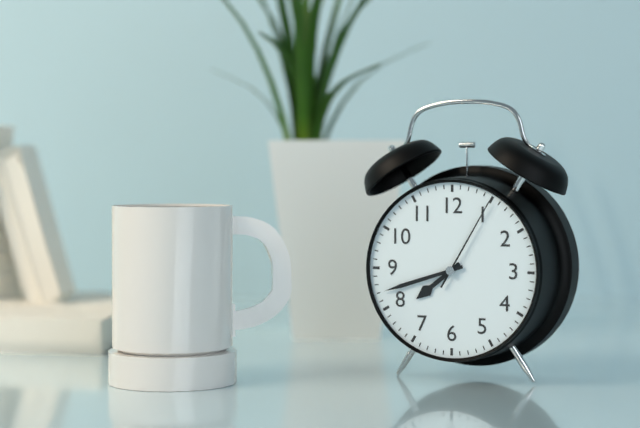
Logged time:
7h42m05s
